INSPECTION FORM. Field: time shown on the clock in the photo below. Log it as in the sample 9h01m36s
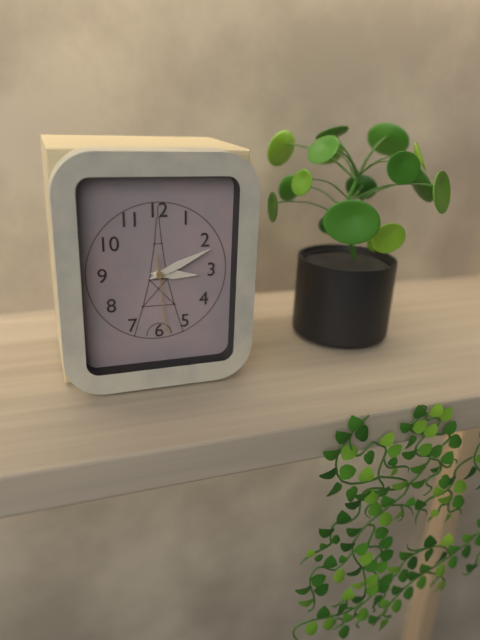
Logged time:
3h11m29s
